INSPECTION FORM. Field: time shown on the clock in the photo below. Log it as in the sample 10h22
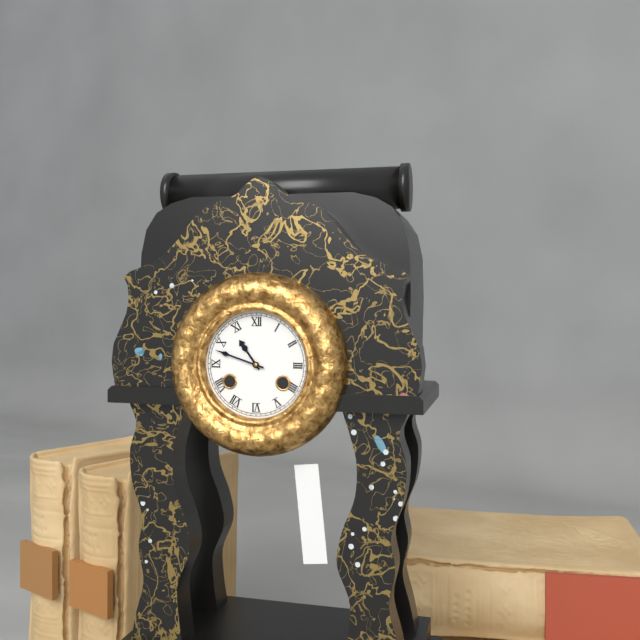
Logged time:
10h48
